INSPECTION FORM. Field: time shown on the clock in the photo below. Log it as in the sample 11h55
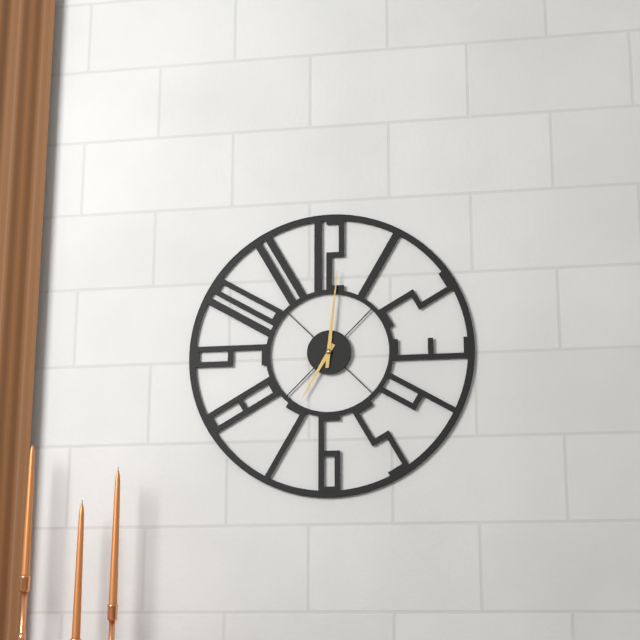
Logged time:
7h01
